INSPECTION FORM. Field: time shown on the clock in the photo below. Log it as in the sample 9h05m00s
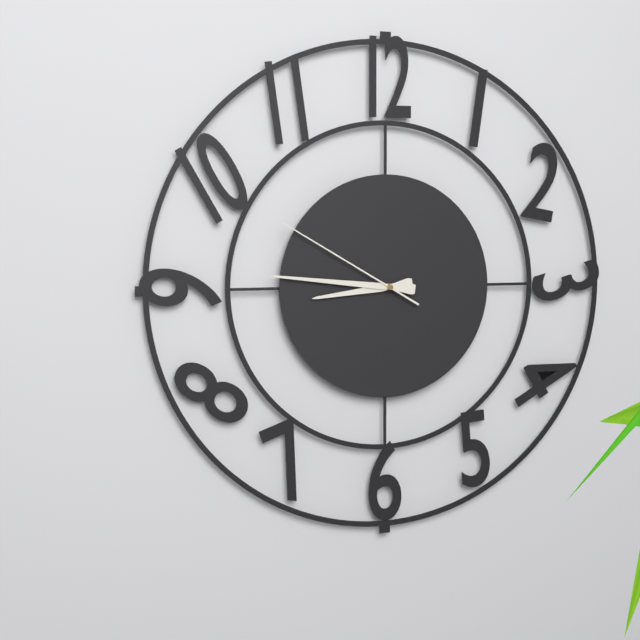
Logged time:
8h46m50s
